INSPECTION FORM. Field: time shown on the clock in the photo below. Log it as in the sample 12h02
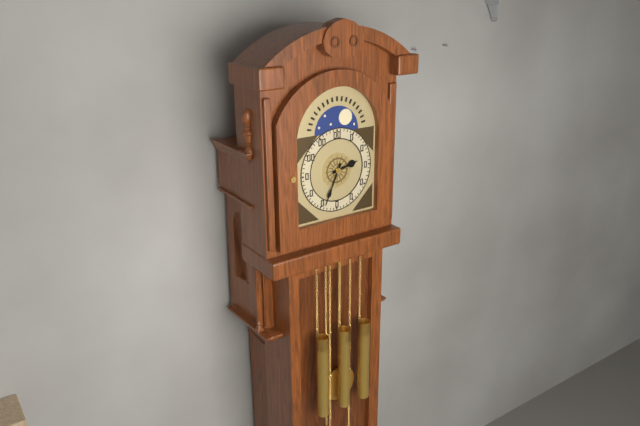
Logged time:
2h34
